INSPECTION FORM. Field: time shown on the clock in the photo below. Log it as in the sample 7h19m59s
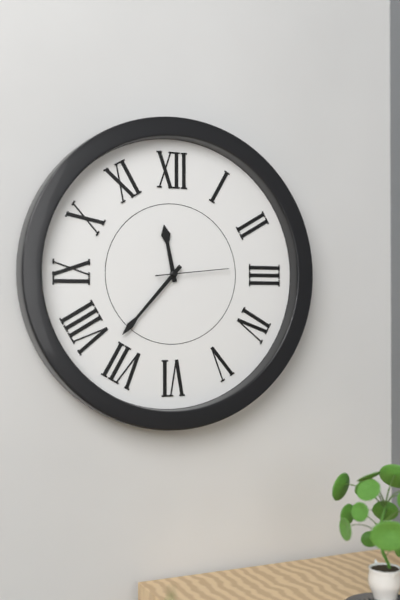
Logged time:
11h37m14s
